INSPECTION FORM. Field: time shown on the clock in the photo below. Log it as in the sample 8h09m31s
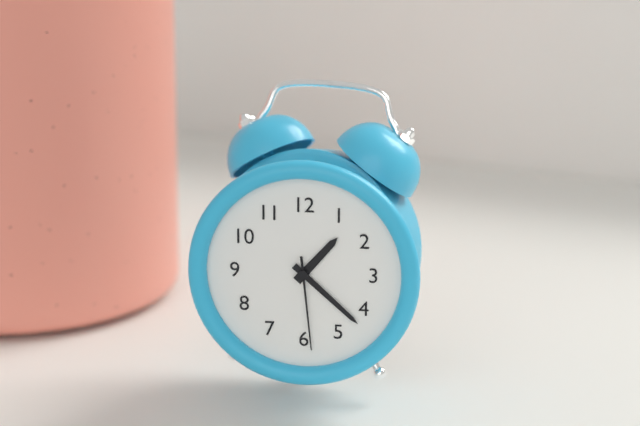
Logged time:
1h22m29s
